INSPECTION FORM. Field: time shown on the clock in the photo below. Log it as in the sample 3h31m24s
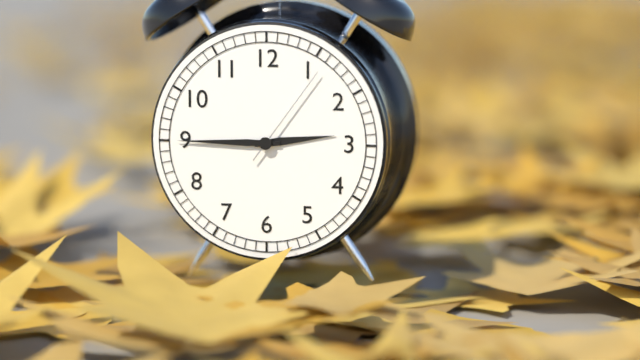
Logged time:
2h45m06s
